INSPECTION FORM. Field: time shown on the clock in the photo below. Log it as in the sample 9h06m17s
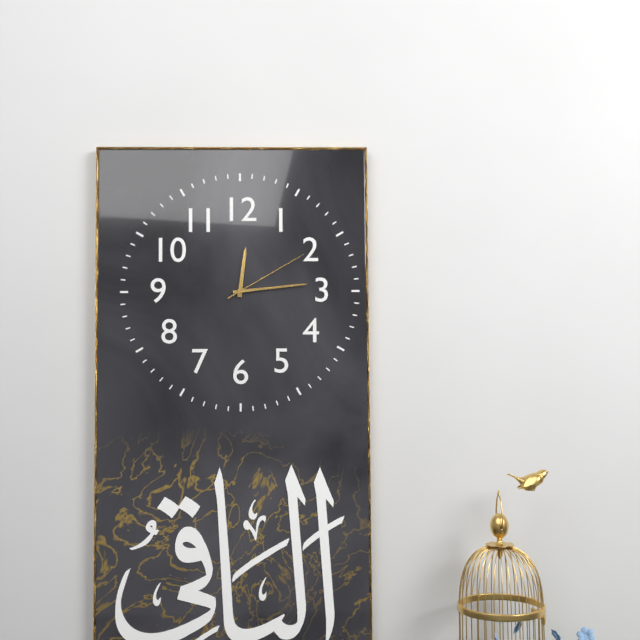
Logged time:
12h14m10s
